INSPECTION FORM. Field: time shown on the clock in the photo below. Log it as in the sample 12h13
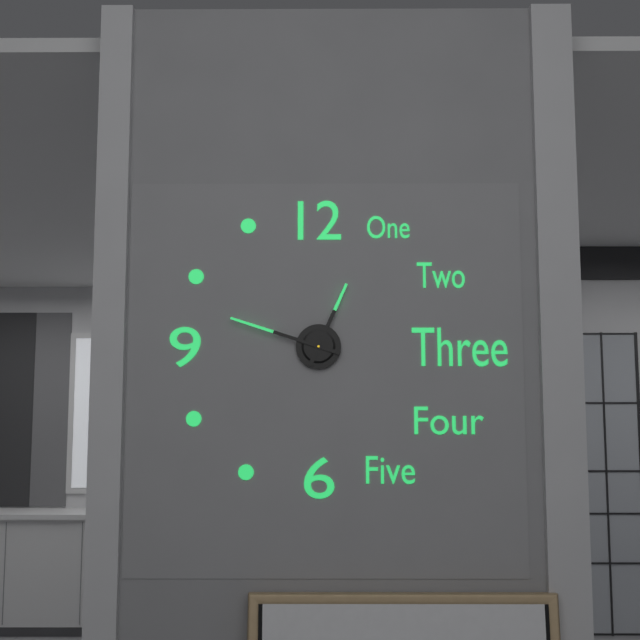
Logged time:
12h48
